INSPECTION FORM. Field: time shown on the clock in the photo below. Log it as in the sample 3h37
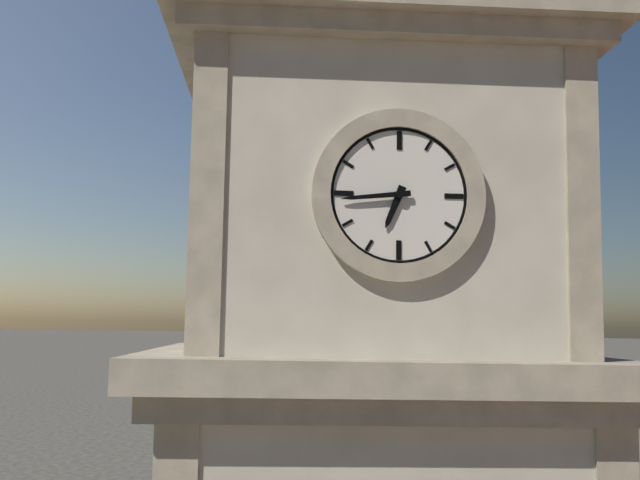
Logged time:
6h44
